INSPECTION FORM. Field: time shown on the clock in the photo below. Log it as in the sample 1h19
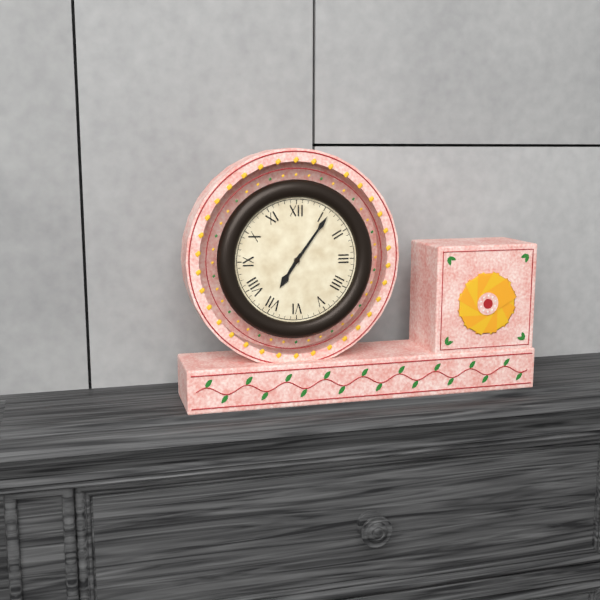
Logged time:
7h06
